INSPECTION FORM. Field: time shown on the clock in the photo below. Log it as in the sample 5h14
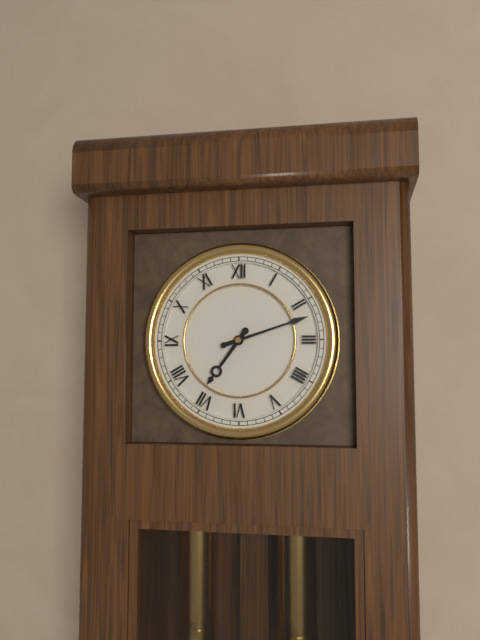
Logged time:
7h12
